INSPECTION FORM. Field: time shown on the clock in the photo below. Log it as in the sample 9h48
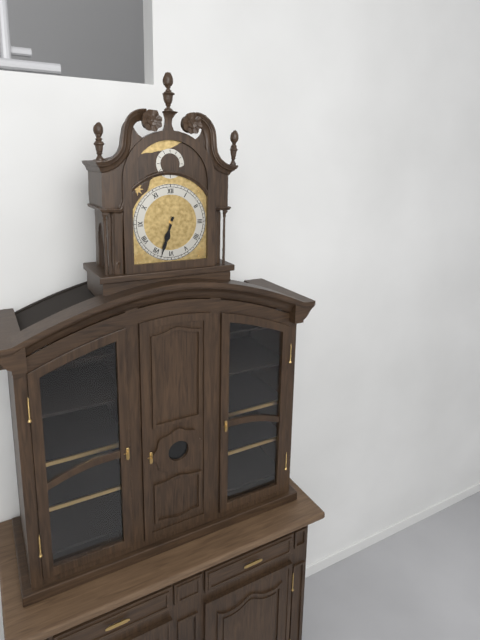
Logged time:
6h33
